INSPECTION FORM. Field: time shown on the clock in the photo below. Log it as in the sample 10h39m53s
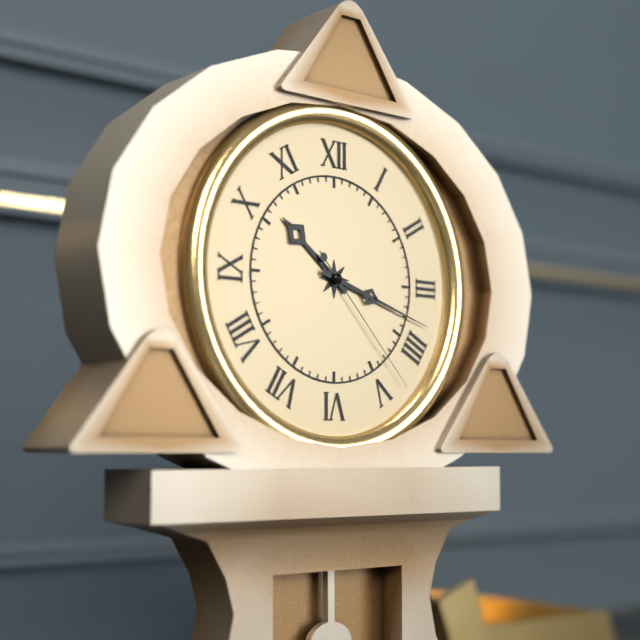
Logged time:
10h18m23s
